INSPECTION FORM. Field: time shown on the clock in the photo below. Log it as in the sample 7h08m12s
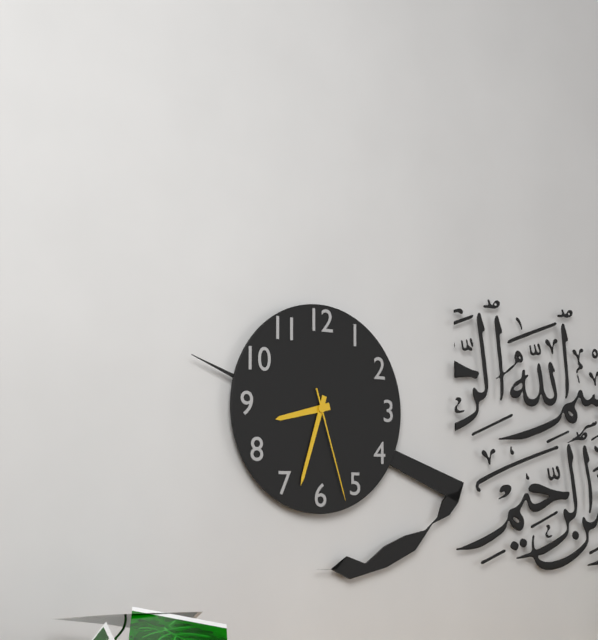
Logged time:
8h33m27s
